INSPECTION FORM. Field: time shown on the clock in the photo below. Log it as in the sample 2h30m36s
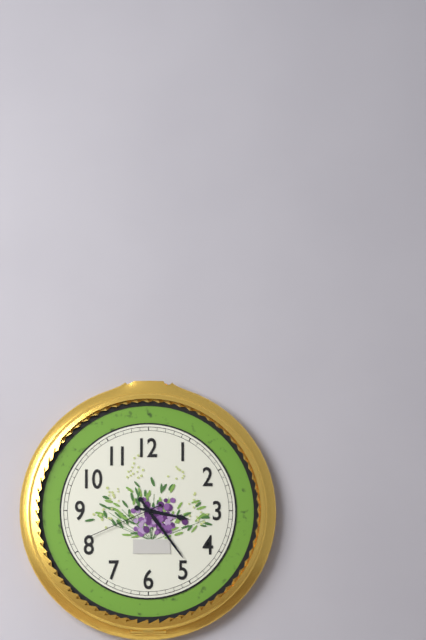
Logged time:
3h24m41s
